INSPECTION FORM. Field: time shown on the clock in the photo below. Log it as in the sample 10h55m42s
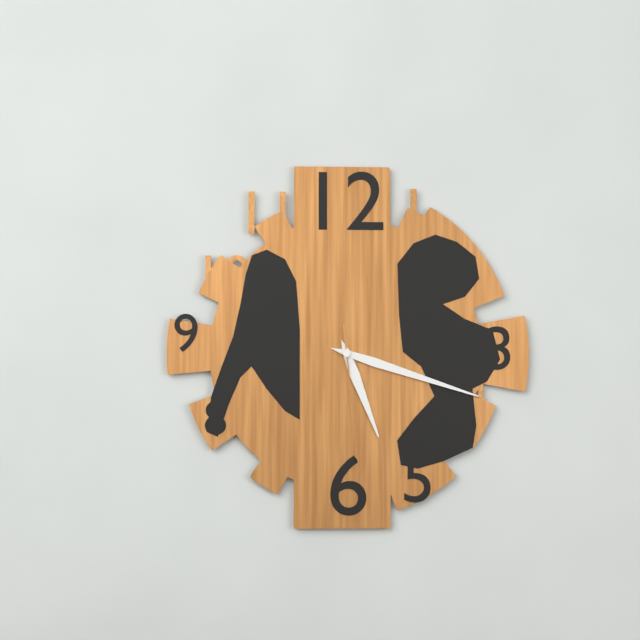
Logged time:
5h18m29s
